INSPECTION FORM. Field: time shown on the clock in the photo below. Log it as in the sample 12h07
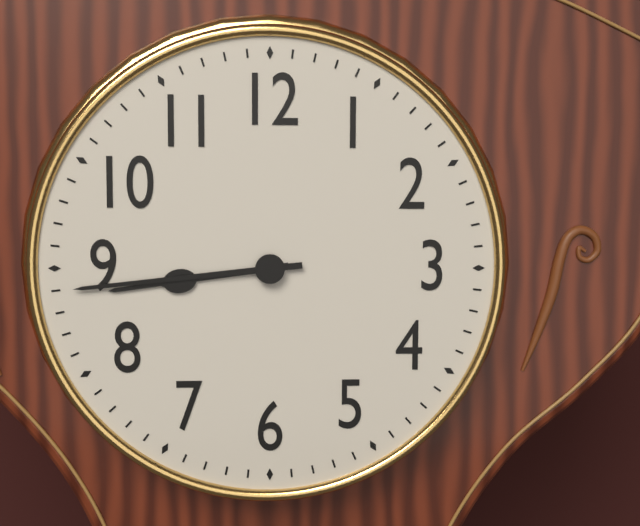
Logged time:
8h44
